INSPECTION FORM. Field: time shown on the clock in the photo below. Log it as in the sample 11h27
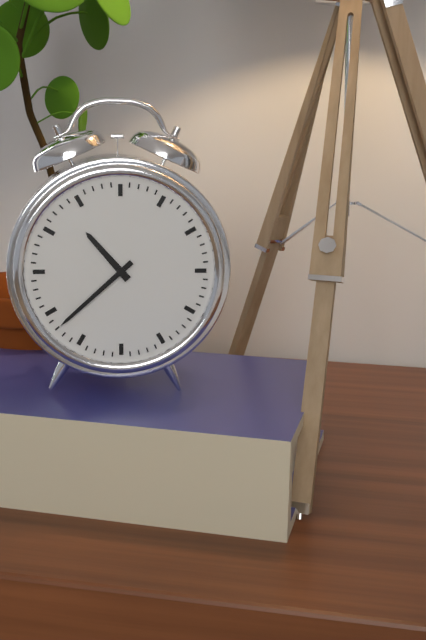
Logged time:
10h38
